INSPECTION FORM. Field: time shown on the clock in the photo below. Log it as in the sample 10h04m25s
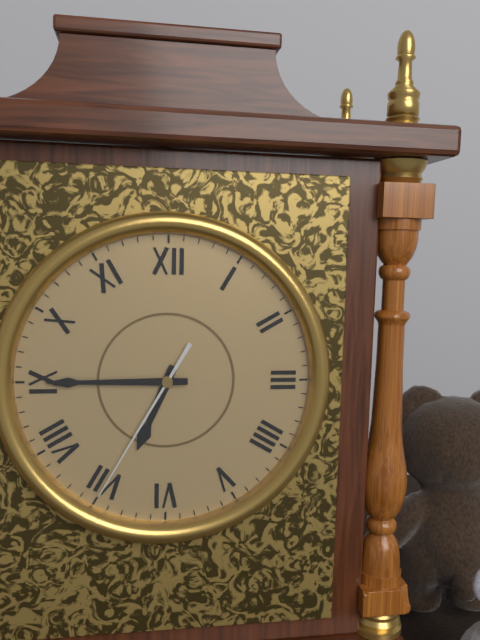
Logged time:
6h45m35s
